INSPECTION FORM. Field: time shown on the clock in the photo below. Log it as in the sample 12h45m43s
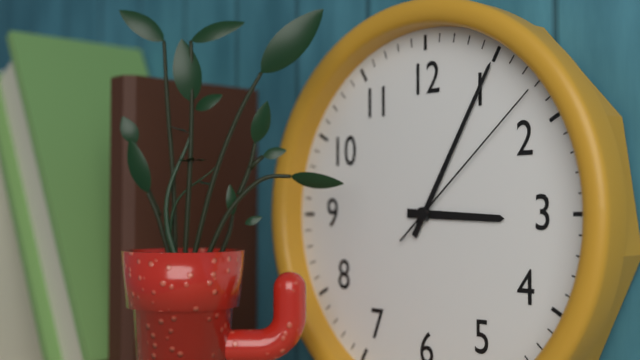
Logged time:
3h05m08s
